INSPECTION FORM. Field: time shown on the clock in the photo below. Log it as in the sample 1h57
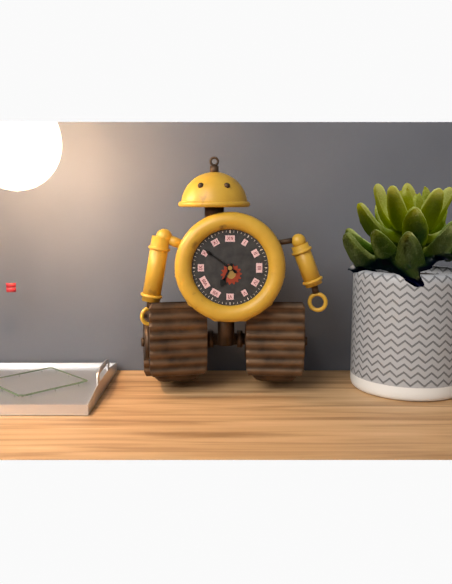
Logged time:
6h51
